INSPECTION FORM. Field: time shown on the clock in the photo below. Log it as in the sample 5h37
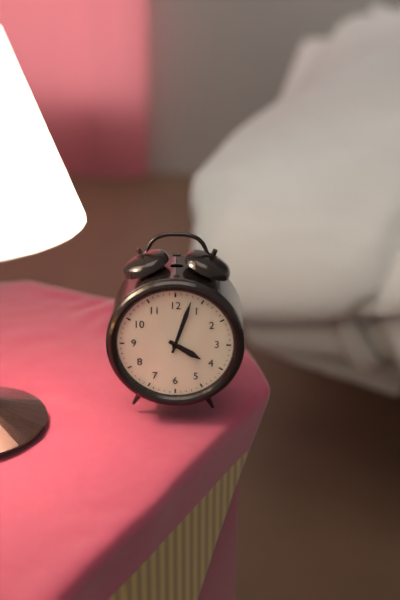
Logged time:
4h03
